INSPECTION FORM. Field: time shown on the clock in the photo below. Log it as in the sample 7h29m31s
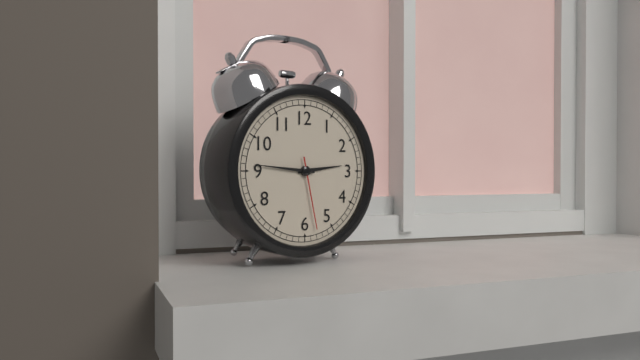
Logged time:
2h46m28s
